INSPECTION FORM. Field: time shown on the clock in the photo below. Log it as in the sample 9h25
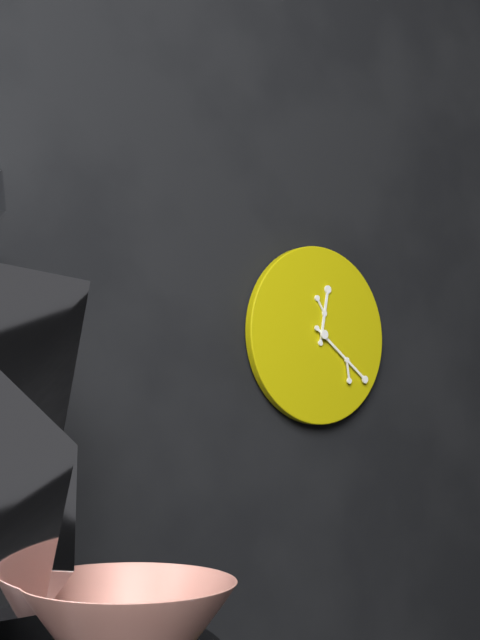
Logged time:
12h21
